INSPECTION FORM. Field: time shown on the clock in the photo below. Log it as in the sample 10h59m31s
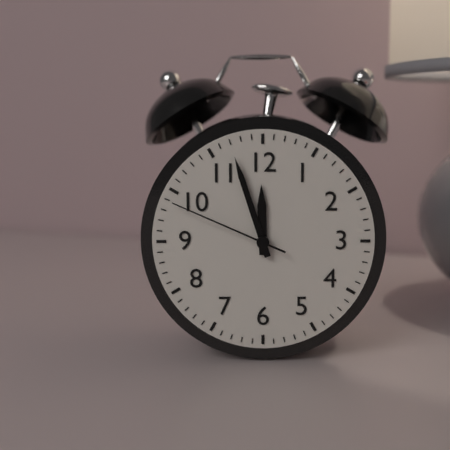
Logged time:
11h57m49s
